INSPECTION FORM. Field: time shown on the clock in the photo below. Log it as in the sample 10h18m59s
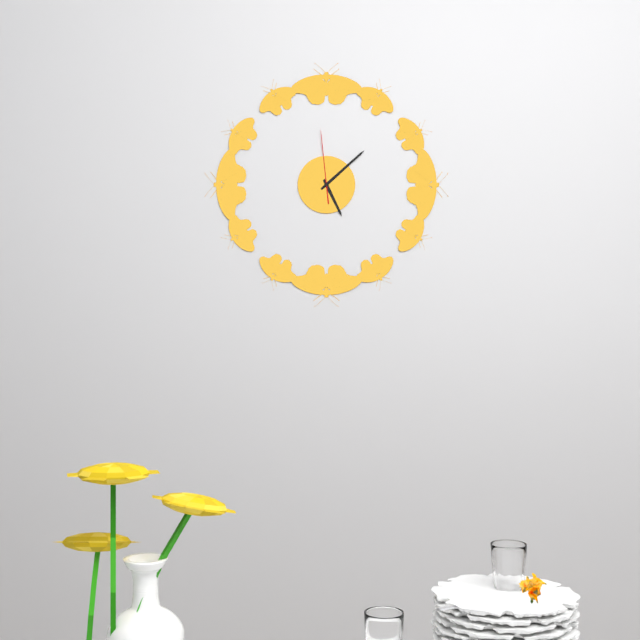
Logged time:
5h08m59s
